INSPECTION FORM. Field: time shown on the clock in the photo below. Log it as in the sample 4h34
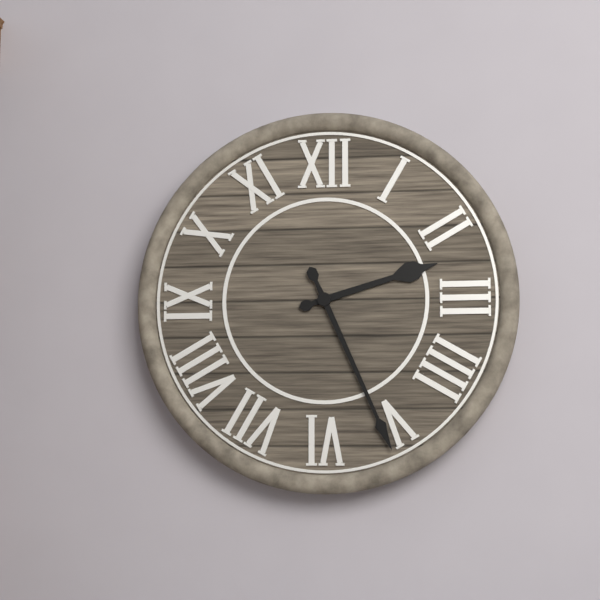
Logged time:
2h26
